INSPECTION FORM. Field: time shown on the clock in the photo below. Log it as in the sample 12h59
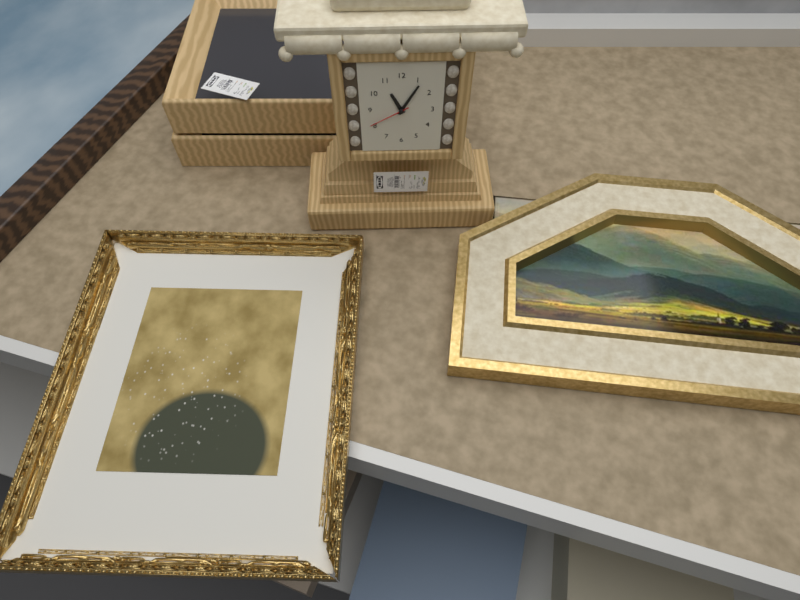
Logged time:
11h05
